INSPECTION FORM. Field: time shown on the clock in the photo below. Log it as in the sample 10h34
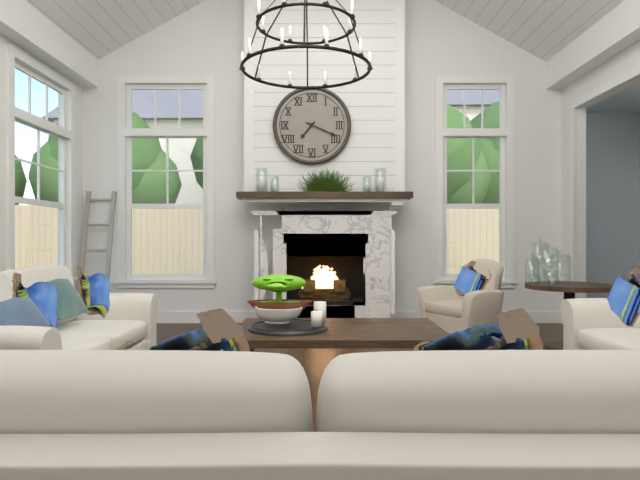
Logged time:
7h19
